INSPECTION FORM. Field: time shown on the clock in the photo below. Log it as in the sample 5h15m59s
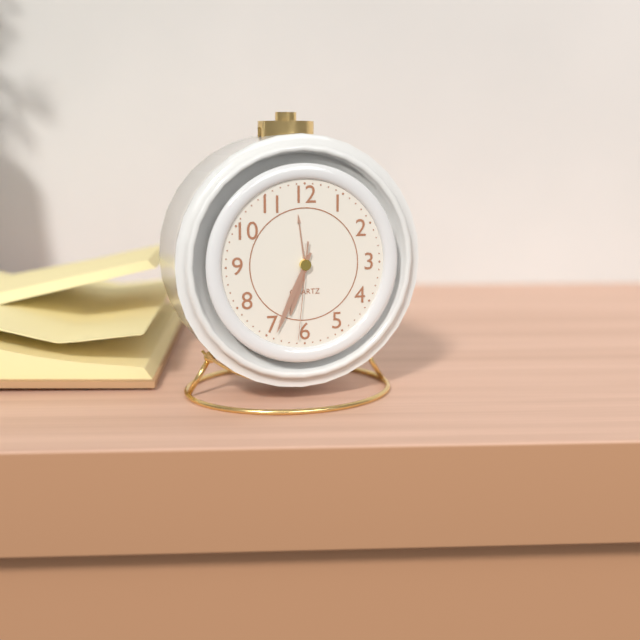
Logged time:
6h34m31s
